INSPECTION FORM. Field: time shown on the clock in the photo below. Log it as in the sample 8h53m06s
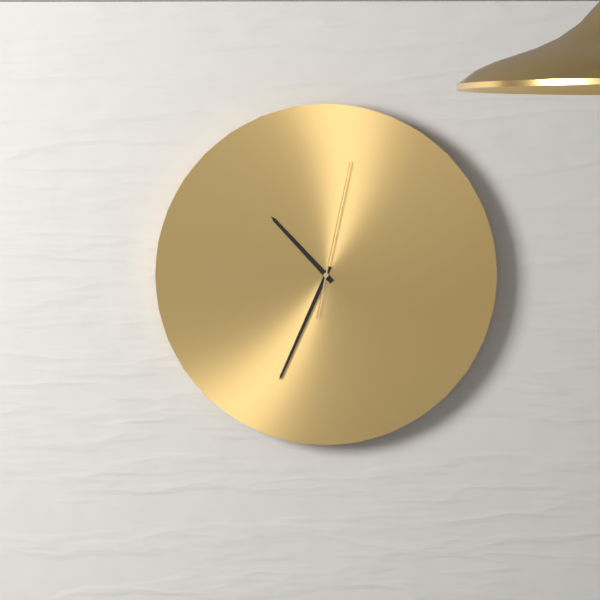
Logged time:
10h34m02s
